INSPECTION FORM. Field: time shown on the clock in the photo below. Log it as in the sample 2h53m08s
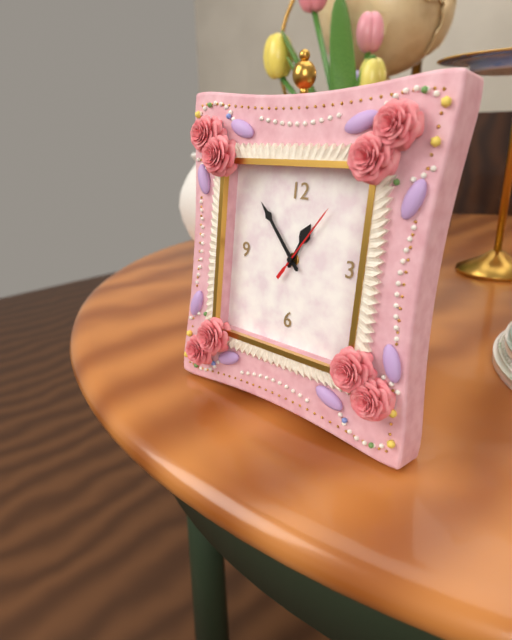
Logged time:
12h53m06s
